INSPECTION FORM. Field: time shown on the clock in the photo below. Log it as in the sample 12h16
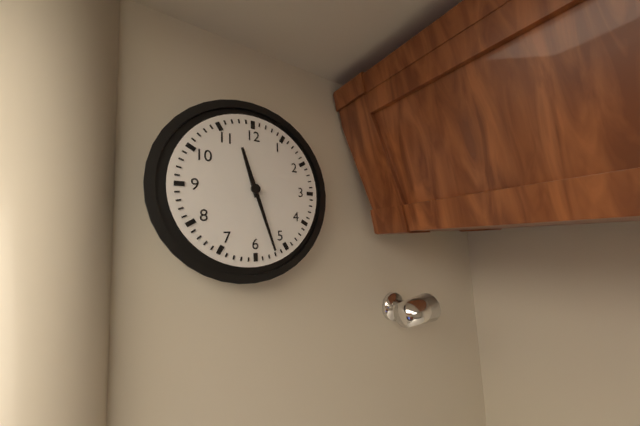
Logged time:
11h27
